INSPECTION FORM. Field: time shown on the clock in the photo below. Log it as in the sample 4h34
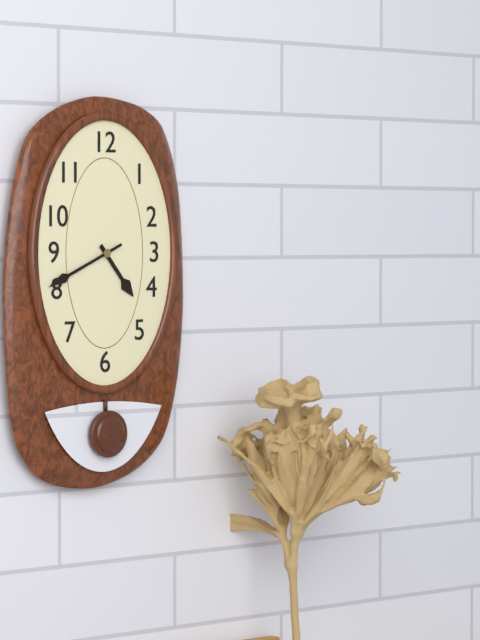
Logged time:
4h41
